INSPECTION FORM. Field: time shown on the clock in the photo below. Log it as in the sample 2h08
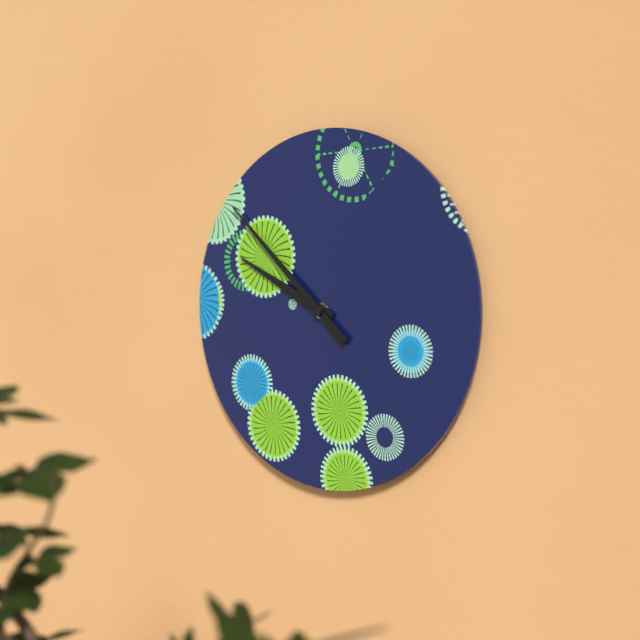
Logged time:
9h52
